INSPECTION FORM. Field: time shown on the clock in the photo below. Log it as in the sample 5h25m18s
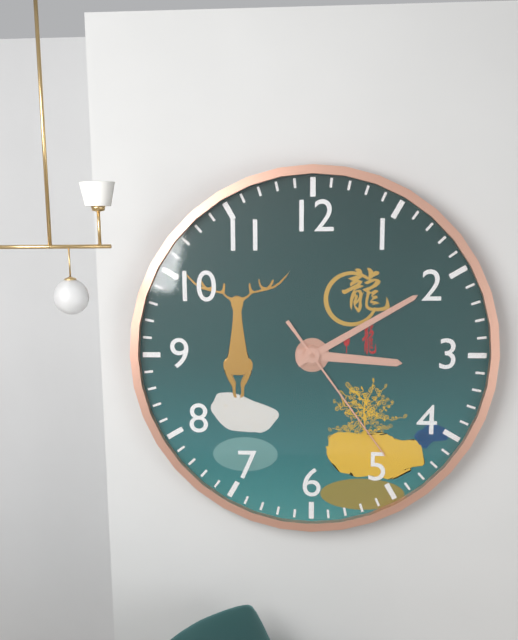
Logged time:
3h10m24s
